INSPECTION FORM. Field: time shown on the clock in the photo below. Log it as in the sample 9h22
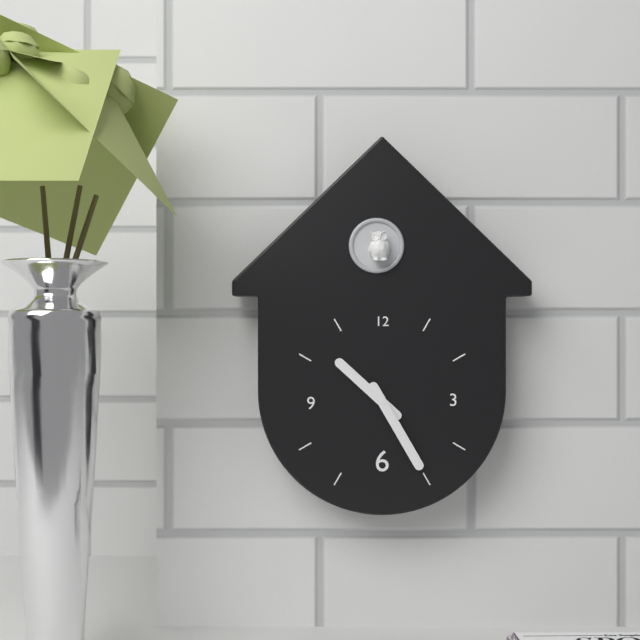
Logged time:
10h25
